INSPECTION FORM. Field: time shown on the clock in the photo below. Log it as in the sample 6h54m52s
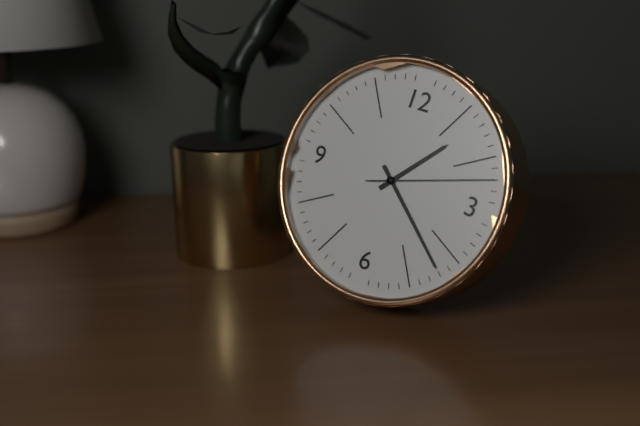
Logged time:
1h22m12s
